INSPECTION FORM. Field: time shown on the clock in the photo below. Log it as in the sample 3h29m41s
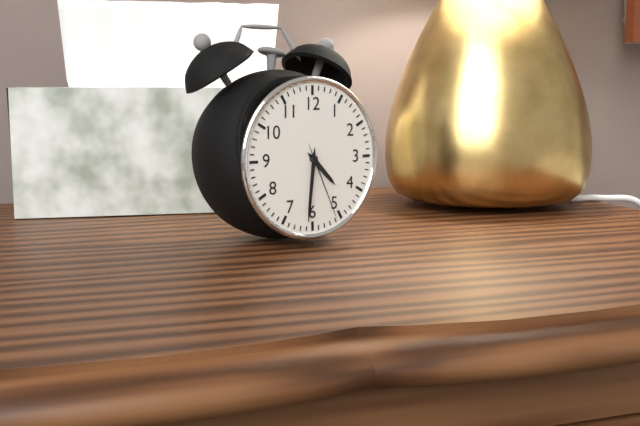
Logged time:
4h31m26s
